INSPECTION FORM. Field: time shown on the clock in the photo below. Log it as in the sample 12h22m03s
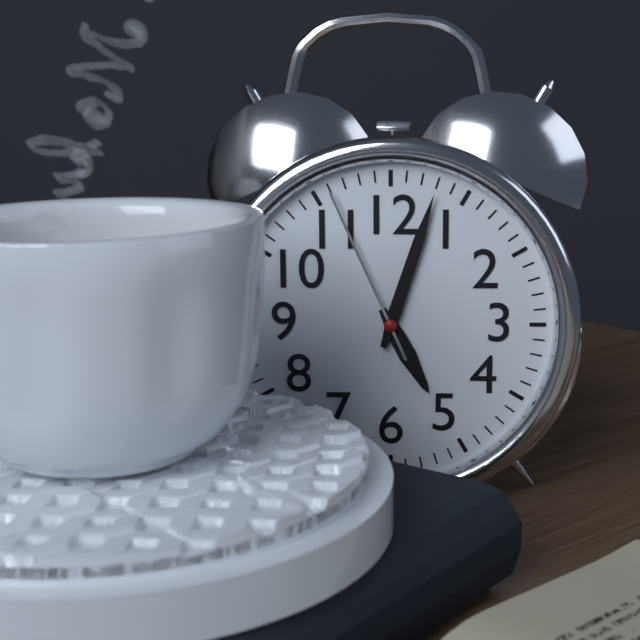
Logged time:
5h03m56s
